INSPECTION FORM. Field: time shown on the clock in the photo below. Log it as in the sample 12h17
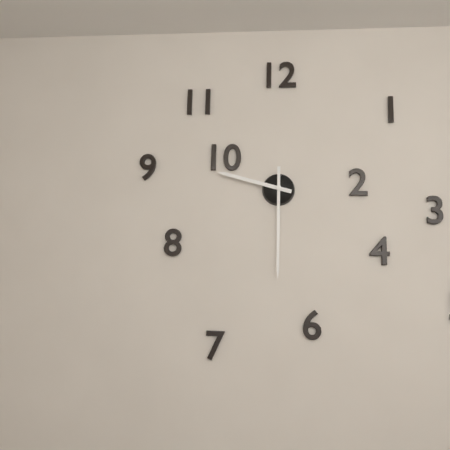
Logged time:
9h30
